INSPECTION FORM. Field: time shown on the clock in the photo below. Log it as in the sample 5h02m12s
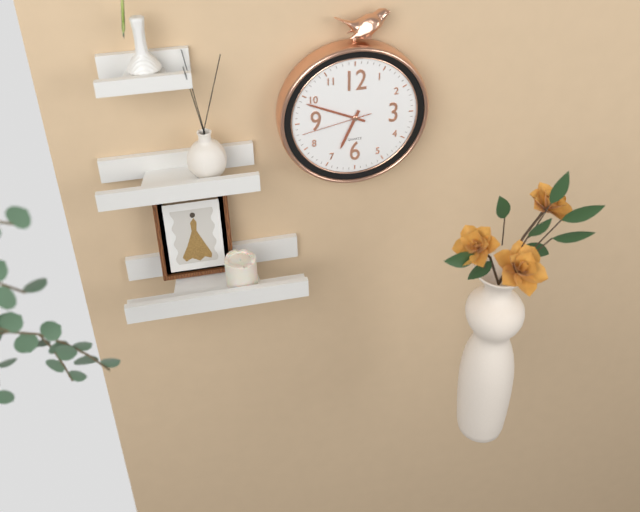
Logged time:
6h49m43s
